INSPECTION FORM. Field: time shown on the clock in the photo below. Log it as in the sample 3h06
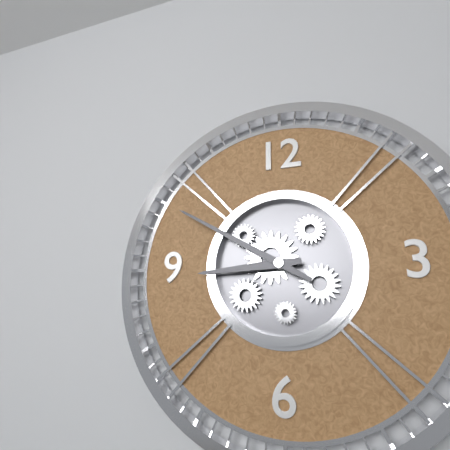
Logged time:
8h50
